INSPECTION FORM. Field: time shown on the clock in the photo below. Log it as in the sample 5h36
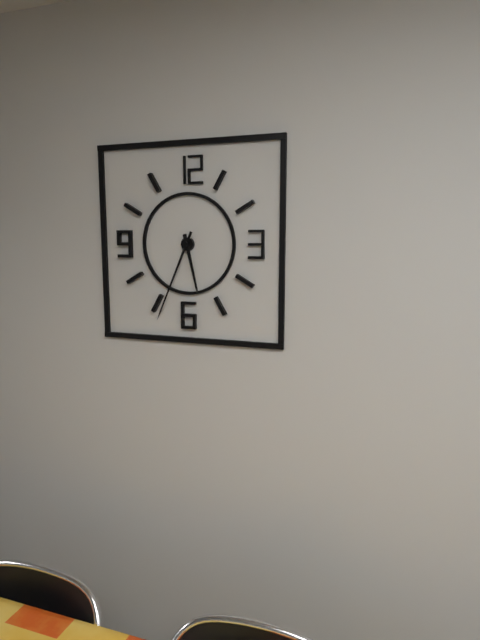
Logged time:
5h34
